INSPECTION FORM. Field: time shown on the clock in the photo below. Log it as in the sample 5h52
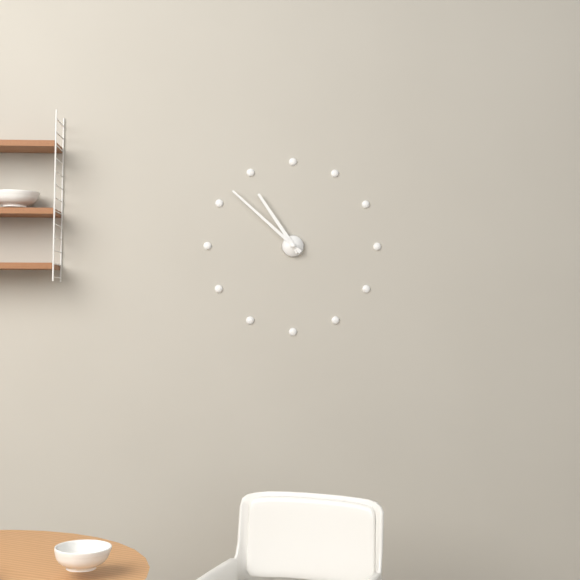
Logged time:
10h52
